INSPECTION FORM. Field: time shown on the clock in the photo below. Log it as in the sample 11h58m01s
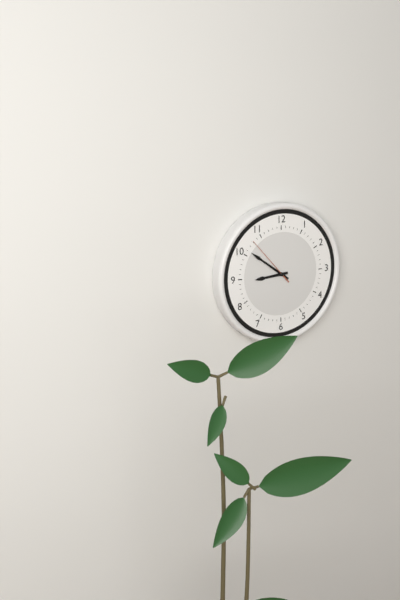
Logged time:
8h51m53s
